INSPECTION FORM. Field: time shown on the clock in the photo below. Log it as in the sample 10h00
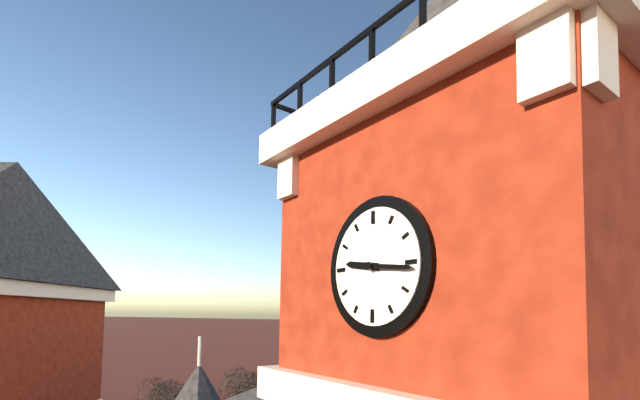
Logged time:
9h16
